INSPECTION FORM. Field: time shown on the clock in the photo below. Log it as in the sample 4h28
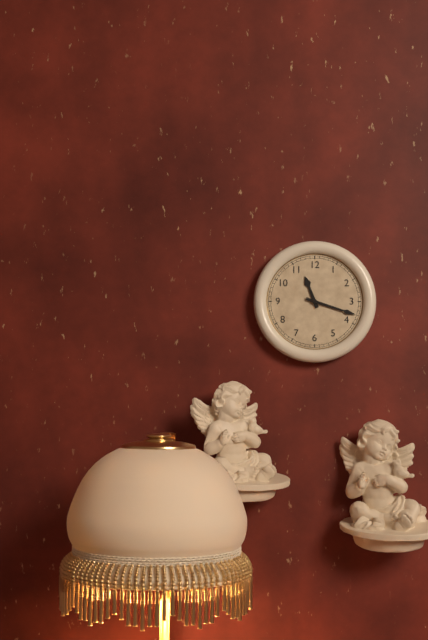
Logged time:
11h18
